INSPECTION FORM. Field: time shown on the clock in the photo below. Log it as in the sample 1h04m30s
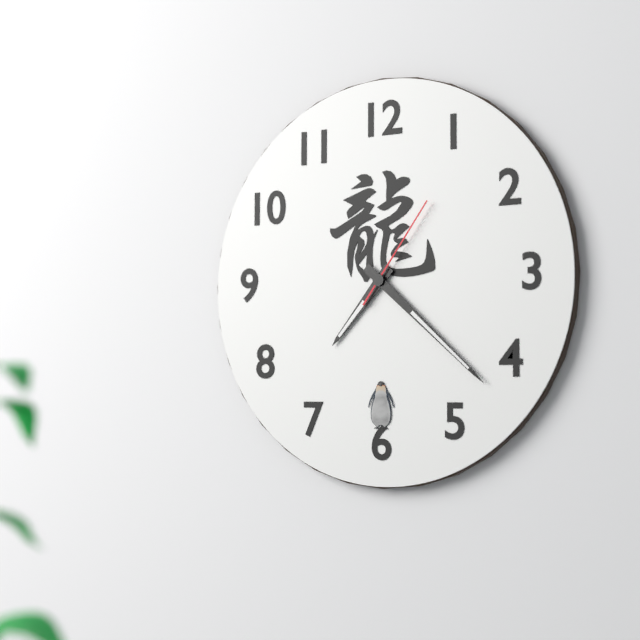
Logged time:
7h22m06s
